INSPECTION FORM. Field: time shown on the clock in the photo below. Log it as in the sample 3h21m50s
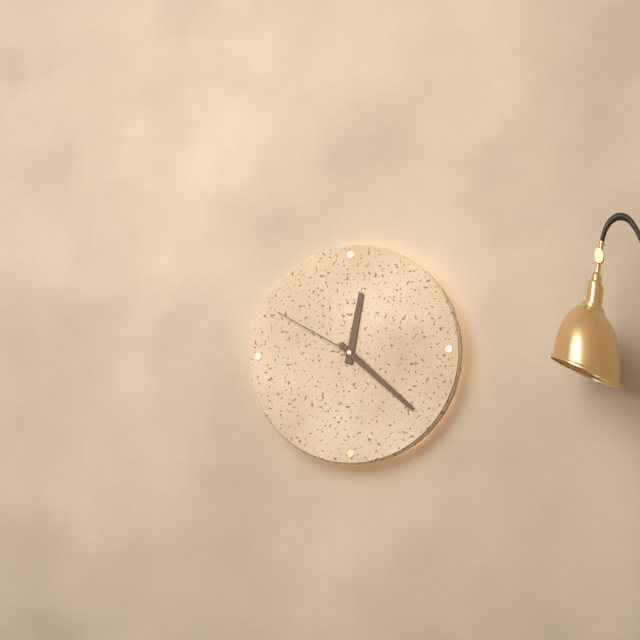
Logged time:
12h22m50s
